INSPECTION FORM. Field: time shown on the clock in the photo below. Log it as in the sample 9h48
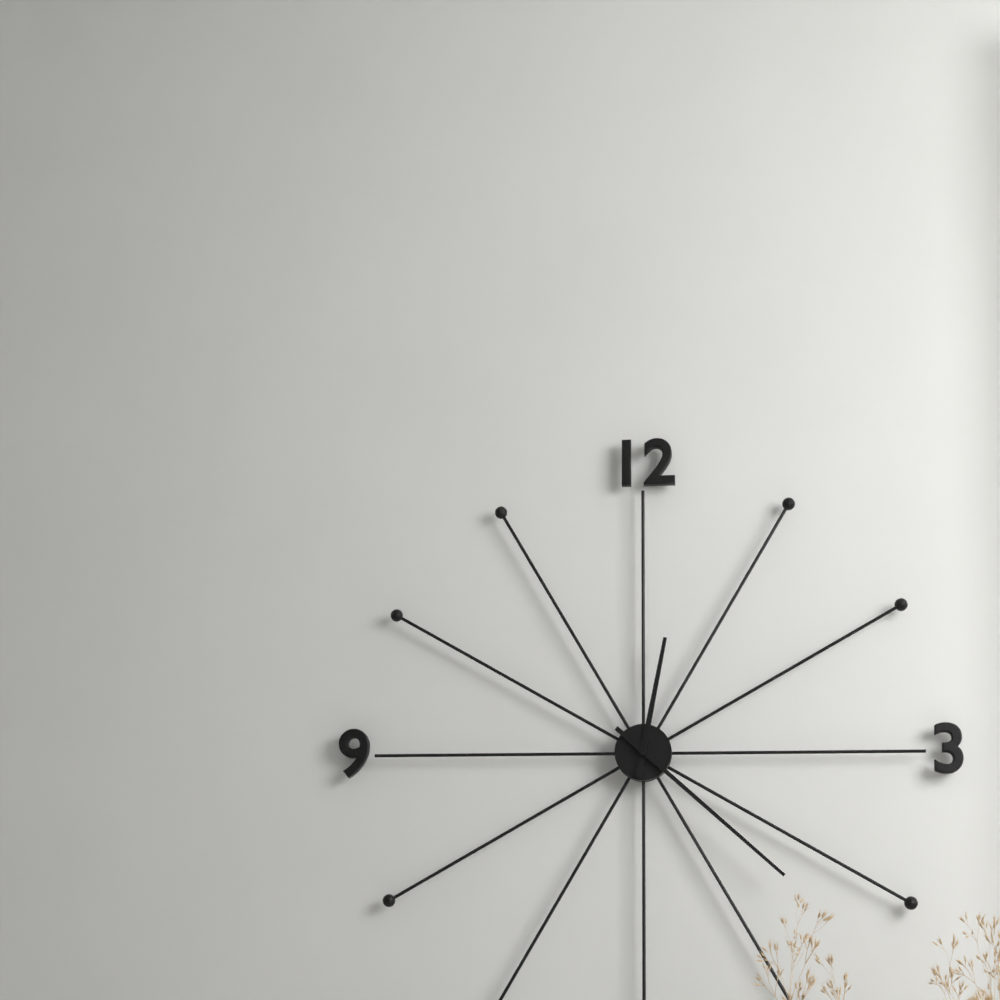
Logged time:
12h22
